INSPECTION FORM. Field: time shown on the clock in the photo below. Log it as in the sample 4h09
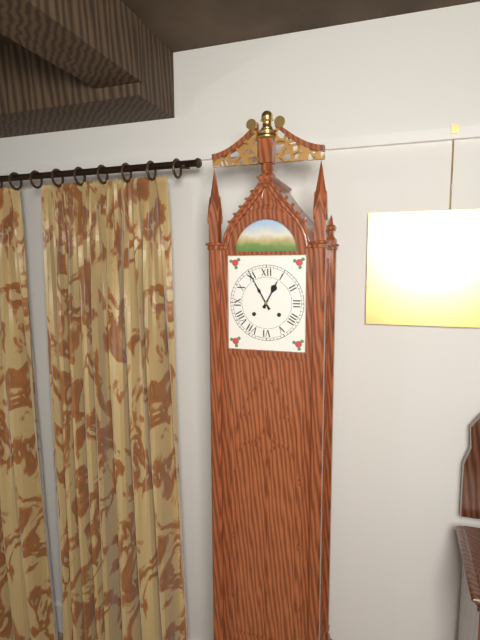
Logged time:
12h55
